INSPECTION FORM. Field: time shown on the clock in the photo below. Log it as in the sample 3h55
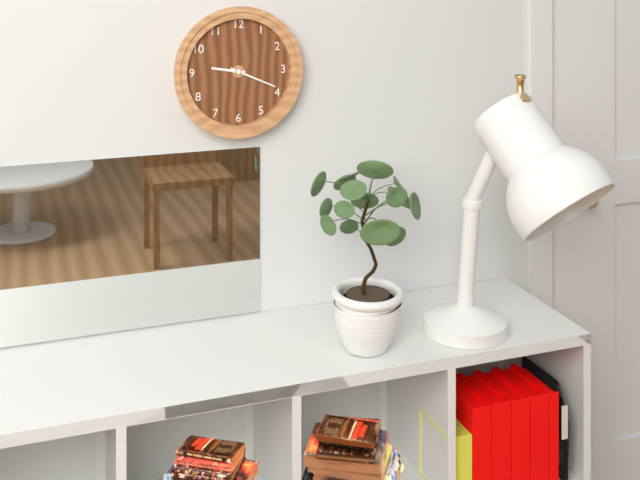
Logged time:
9h19
